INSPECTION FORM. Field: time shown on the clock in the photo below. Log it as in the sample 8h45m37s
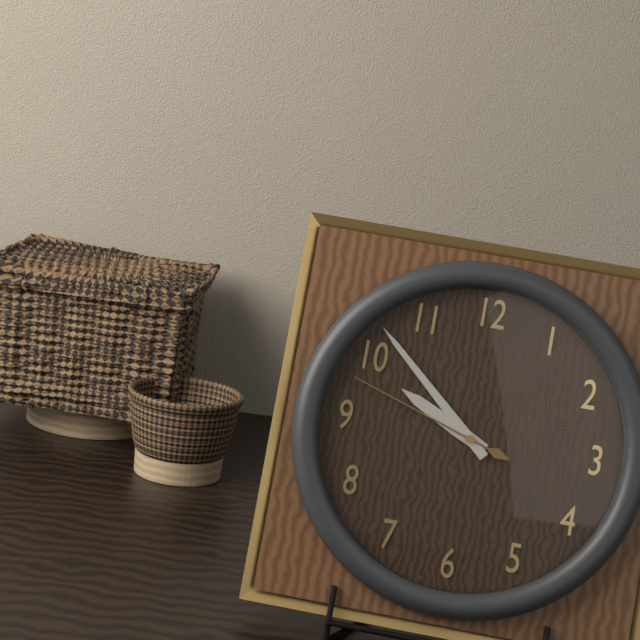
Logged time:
9h52m48s
